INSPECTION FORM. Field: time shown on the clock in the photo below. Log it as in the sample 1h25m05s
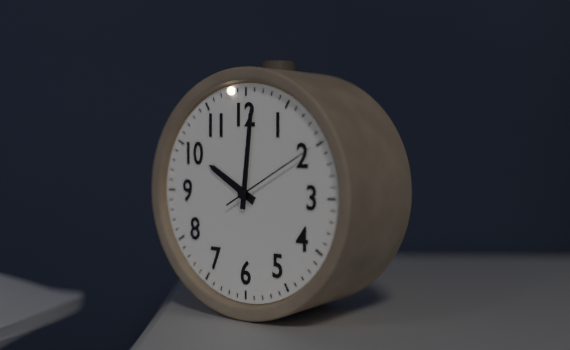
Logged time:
10h01m10s
